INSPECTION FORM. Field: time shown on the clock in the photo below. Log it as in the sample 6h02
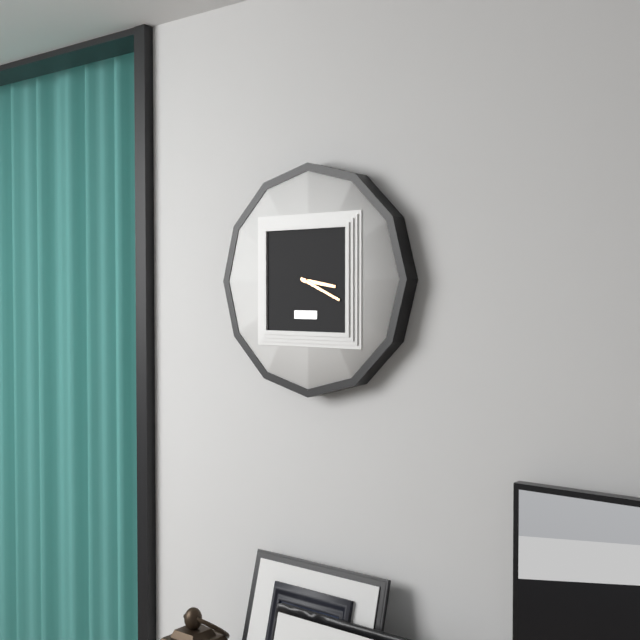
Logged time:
3h19
